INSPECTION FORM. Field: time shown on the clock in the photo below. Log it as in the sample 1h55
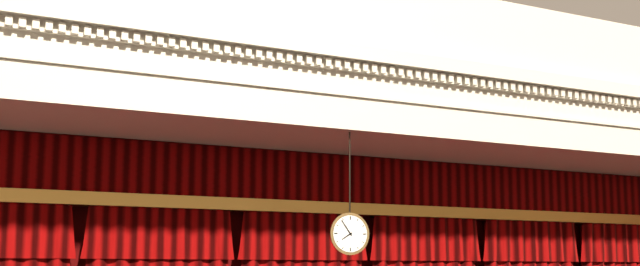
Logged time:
7h54
